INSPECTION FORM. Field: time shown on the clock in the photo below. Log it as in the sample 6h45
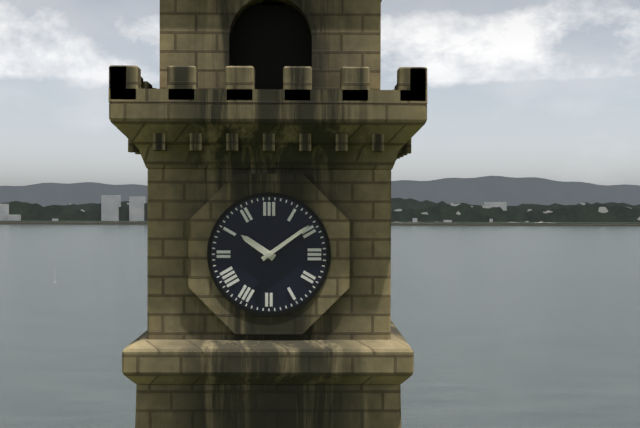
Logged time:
10h09
